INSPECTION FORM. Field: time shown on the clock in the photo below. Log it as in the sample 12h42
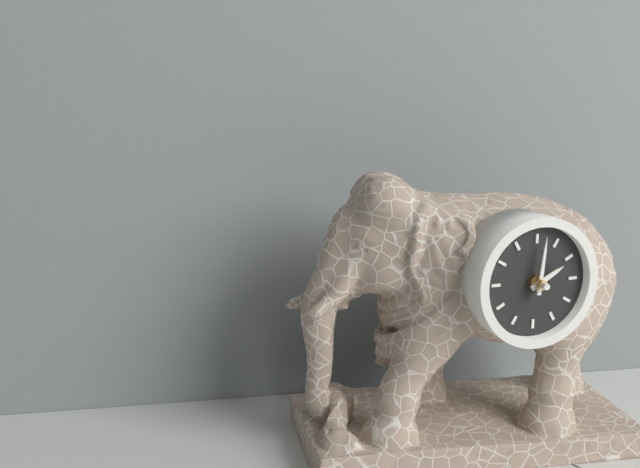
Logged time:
2h01
